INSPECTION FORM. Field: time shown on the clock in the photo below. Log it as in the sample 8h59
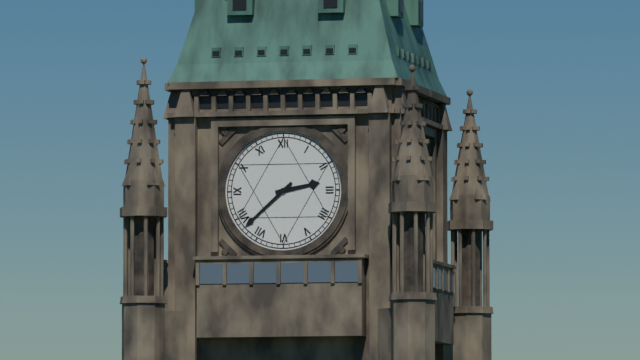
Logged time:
2h38
